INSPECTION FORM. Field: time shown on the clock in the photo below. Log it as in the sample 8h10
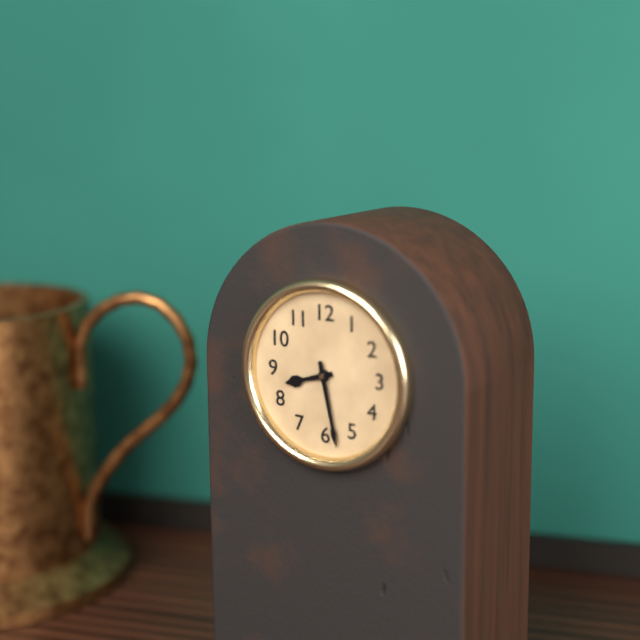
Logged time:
8h28
